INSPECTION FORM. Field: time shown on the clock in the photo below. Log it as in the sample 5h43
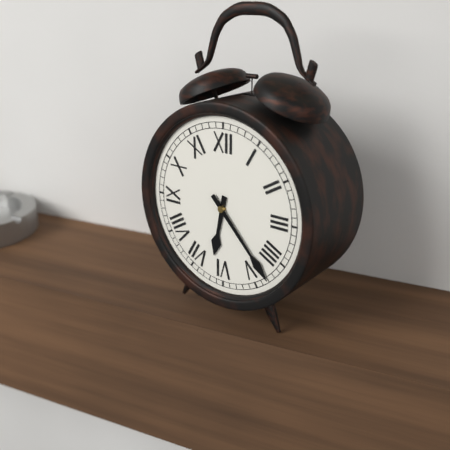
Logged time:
6h23
